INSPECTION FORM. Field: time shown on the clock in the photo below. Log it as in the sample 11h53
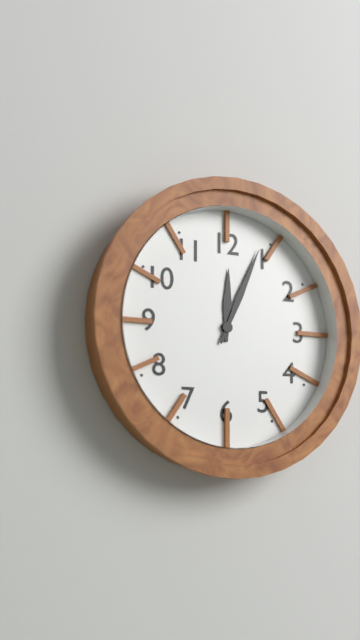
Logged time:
12h04
